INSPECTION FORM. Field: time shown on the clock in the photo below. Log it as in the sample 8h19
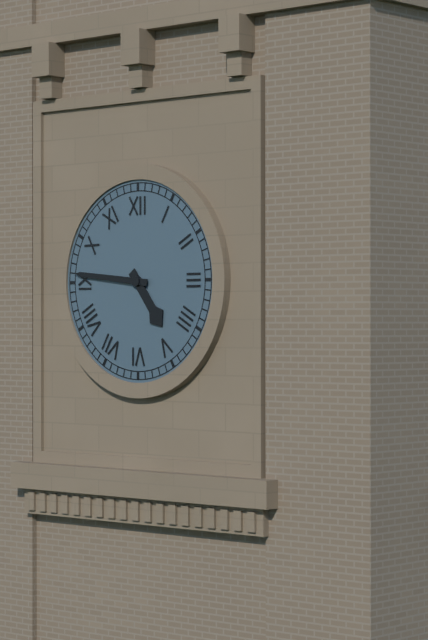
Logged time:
4h46
